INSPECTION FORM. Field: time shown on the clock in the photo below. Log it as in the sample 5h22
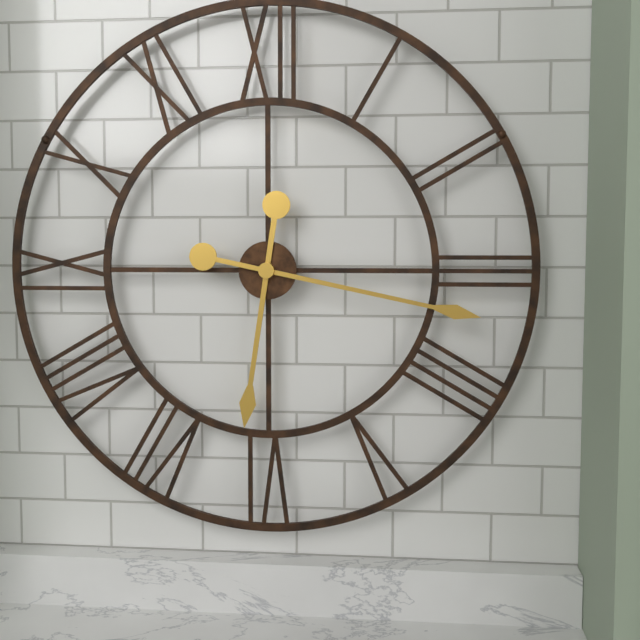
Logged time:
6h17
